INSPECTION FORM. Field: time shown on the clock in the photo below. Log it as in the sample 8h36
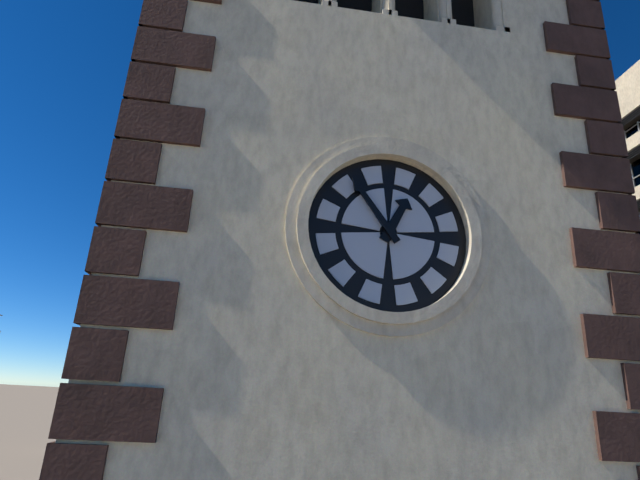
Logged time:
12h54
